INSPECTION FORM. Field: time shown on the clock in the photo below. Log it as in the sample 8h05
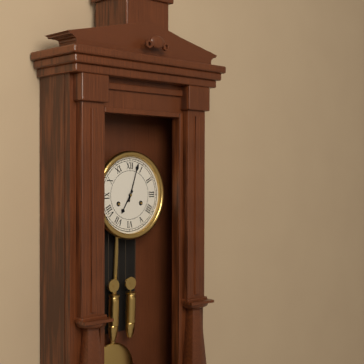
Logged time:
7h03
